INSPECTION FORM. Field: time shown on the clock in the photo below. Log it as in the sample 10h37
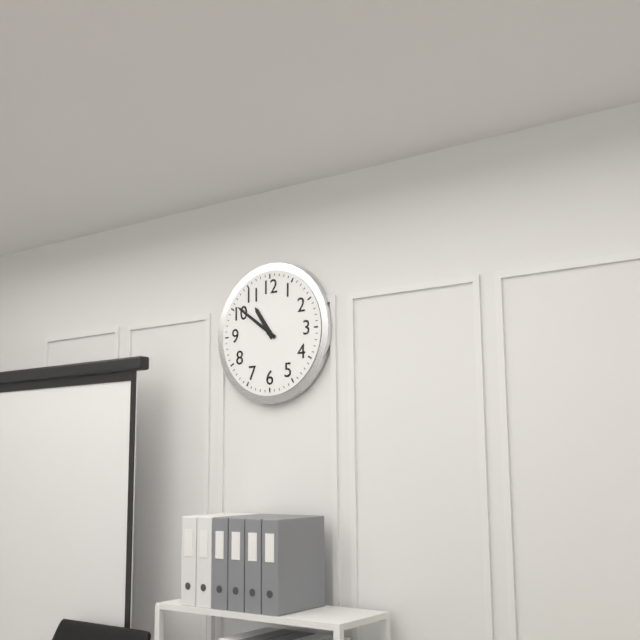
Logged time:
10h51
